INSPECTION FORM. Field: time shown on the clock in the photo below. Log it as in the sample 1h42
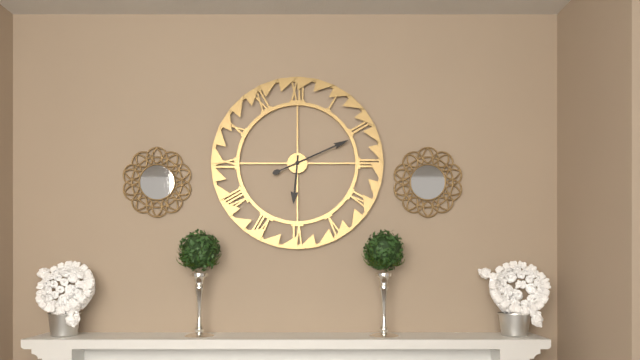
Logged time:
6h11
